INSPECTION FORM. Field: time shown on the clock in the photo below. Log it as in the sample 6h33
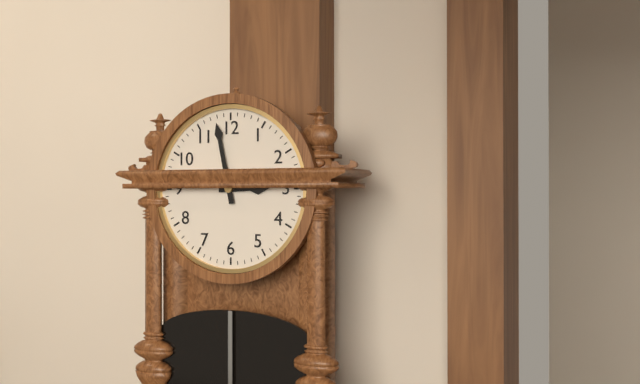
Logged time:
2h58
